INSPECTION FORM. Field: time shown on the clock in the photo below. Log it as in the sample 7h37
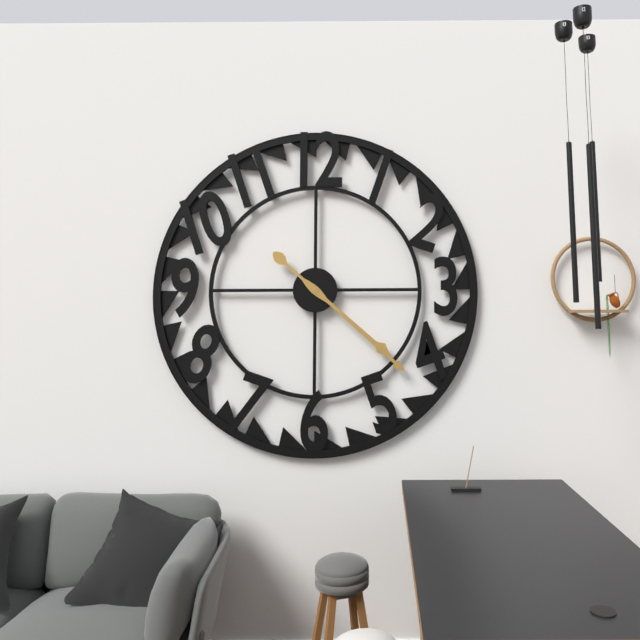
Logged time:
4h22
